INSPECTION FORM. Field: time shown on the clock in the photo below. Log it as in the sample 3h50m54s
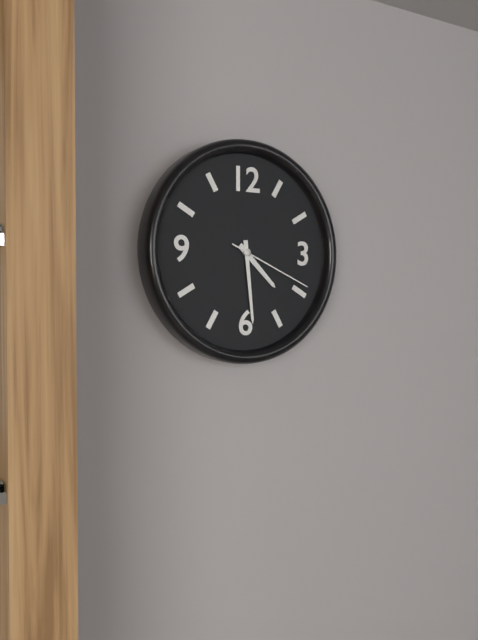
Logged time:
4h29m19s
